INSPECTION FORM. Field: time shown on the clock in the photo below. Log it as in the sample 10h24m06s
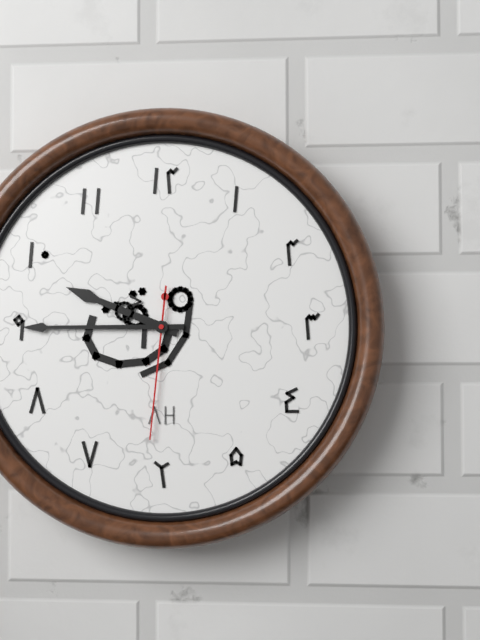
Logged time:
9h45m31s
